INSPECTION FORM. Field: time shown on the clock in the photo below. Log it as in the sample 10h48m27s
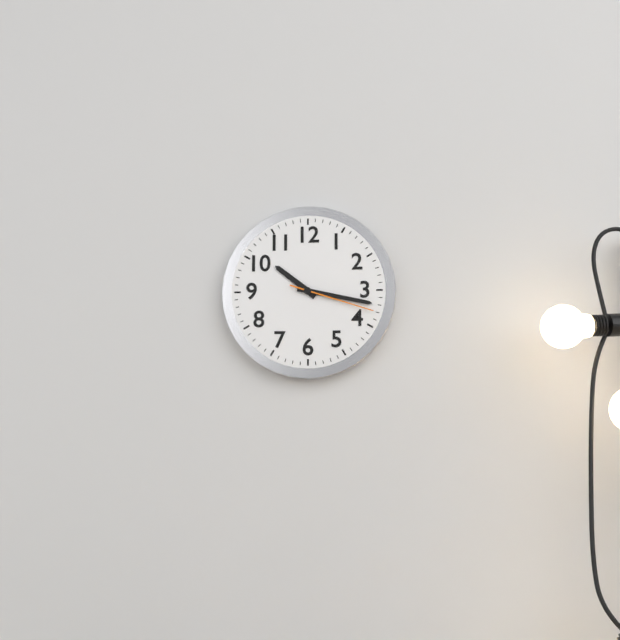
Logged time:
10h17m18s
